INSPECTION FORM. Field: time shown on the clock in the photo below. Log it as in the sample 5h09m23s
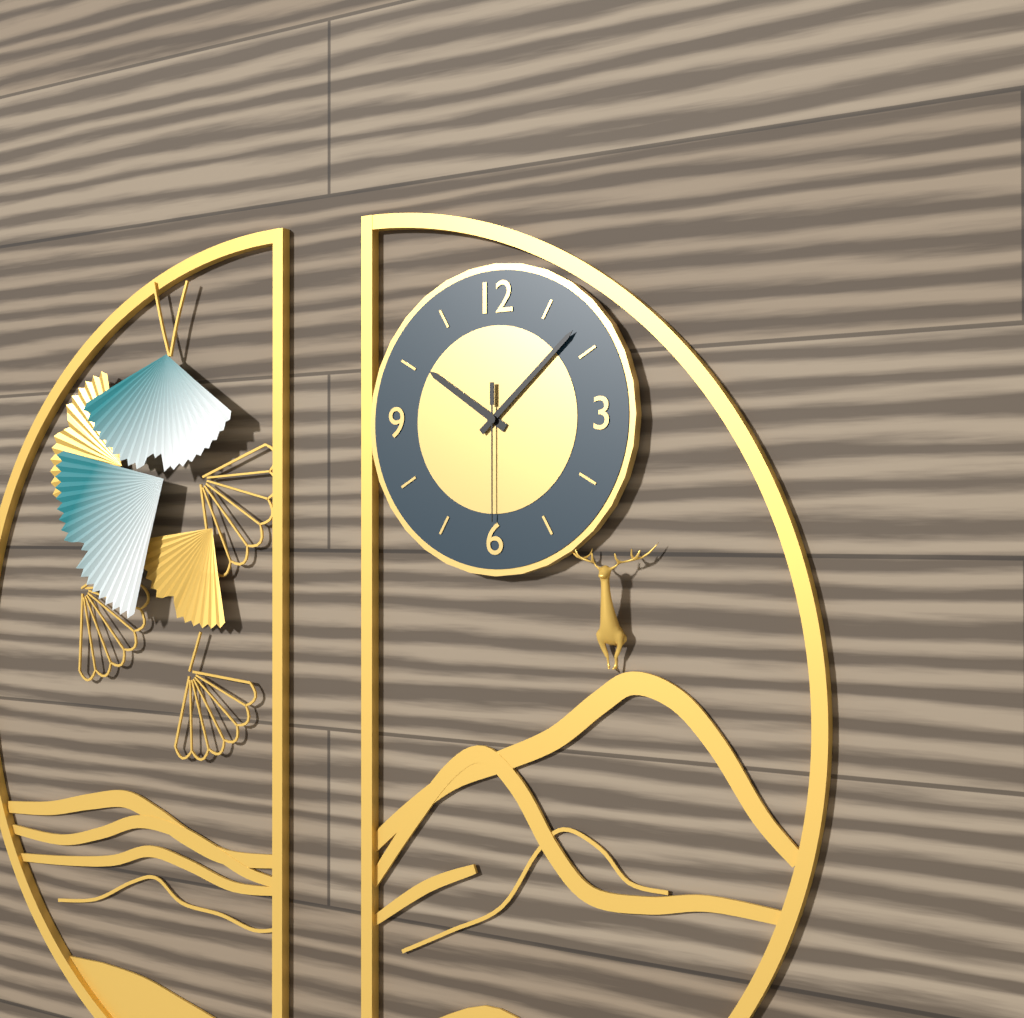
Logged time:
10h08m30s
